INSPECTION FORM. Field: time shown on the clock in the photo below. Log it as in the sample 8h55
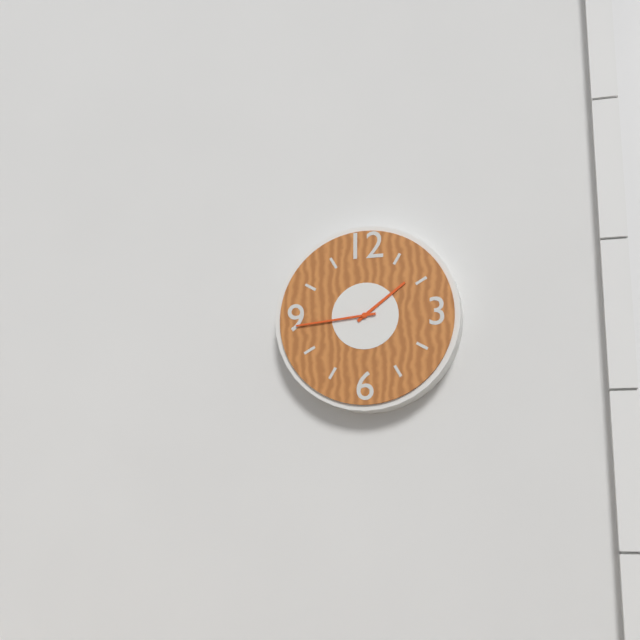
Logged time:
1h44
